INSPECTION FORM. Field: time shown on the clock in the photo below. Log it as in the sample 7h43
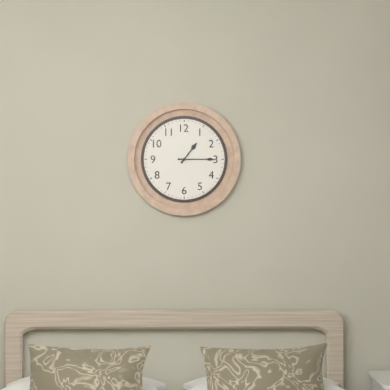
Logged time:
1h15
